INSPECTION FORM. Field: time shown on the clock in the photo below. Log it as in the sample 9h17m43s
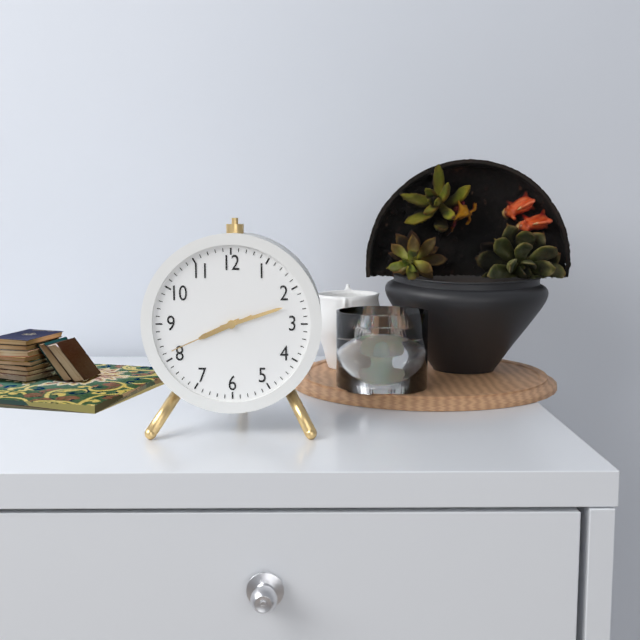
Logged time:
8h12m41s
